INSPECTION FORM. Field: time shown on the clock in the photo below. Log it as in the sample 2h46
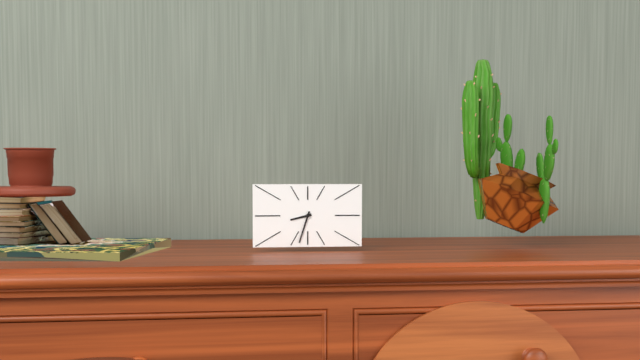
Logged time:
8h33
